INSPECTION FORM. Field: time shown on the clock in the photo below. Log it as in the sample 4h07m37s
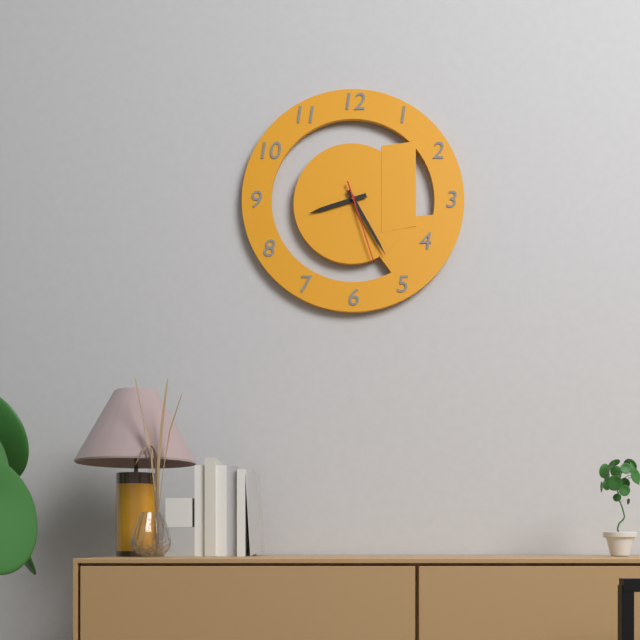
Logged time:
8h25m27s
